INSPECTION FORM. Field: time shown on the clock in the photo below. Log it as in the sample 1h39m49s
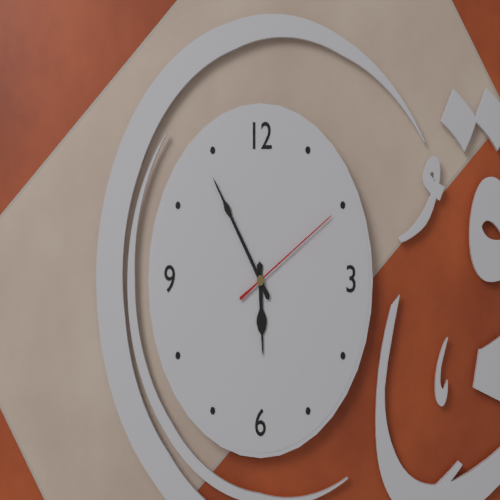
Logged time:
5h54m10s
